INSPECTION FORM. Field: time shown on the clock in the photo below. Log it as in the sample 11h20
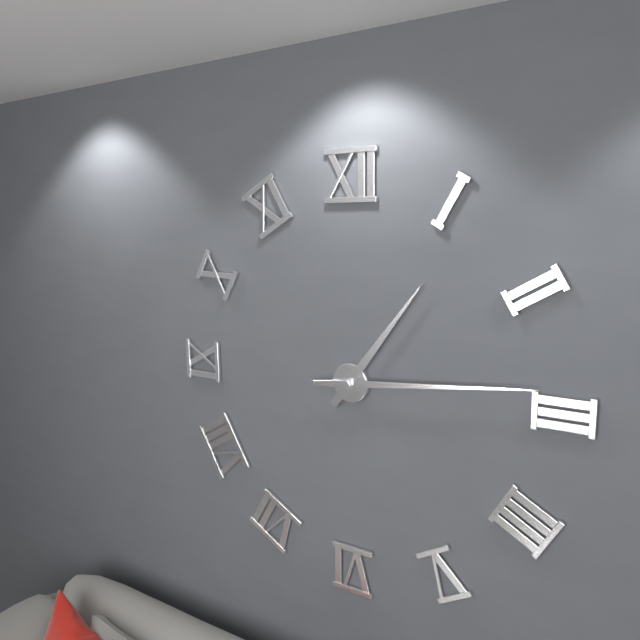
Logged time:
1h14
